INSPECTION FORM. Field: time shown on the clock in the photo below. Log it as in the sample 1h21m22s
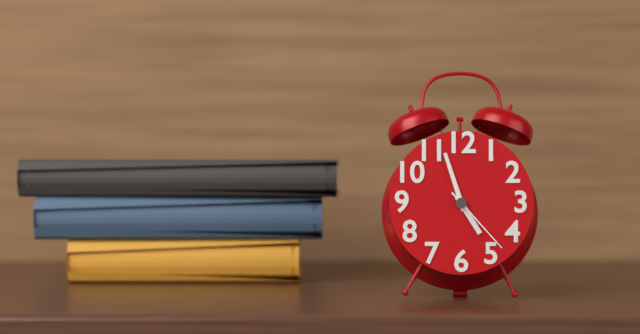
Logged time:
4h57m23s
